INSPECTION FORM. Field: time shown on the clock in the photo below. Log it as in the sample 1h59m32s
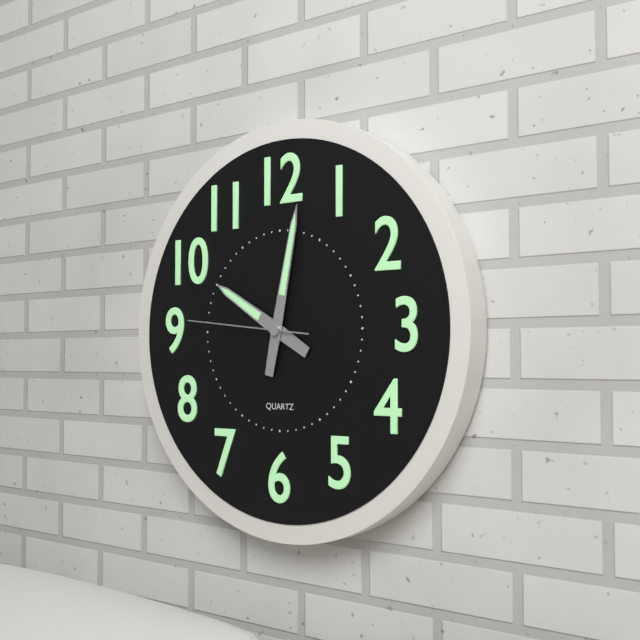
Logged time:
10h02m46s
